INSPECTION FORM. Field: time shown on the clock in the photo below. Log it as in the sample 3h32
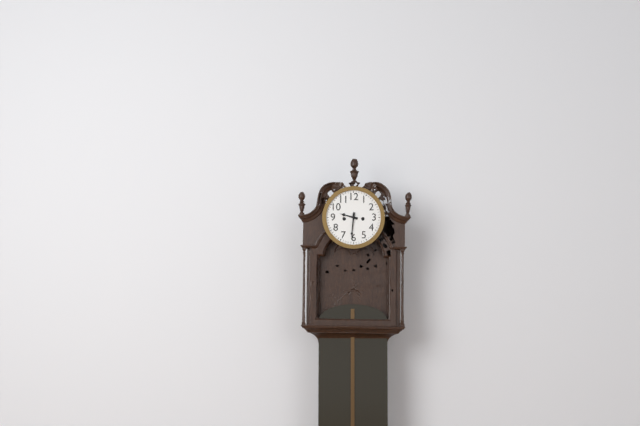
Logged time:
9h31
